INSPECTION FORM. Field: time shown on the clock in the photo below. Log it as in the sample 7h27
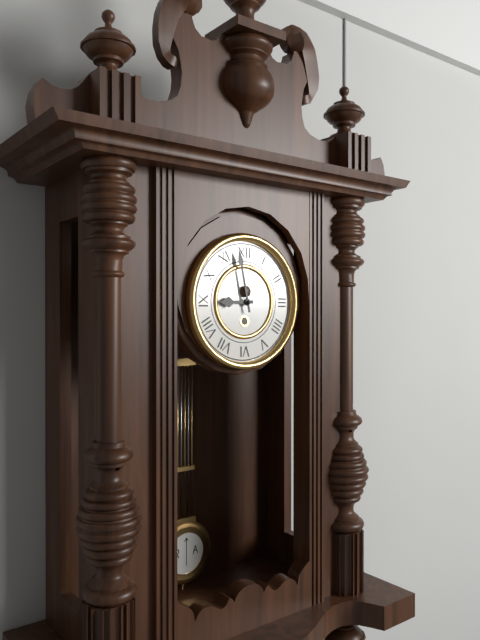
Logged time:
8h58
